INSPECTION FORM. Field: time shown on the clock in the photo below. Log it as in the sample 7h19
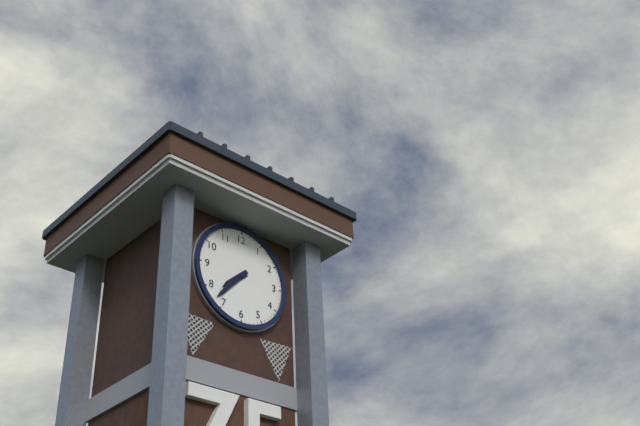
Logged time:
7h37
